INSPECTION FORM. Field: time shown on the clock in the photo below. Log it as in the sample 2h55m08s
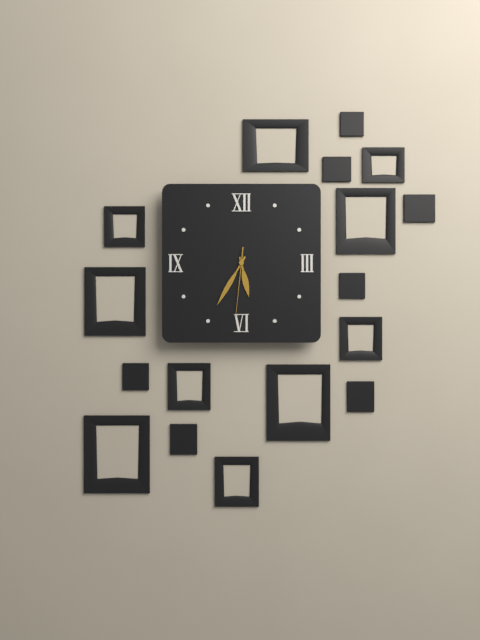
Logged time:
5h35m31s
